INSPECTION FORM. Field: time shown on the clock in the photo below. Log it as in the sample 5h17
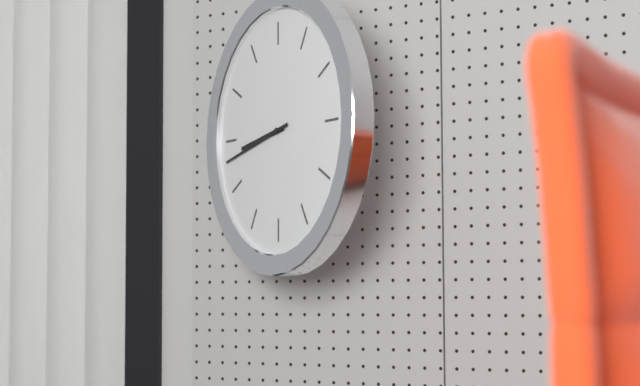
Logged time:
8h43
